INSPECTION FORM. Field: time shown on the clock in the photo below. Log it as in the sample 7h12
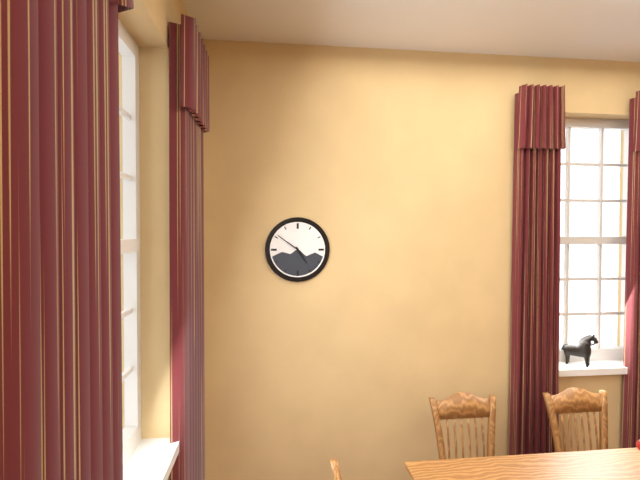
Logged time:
4h51
